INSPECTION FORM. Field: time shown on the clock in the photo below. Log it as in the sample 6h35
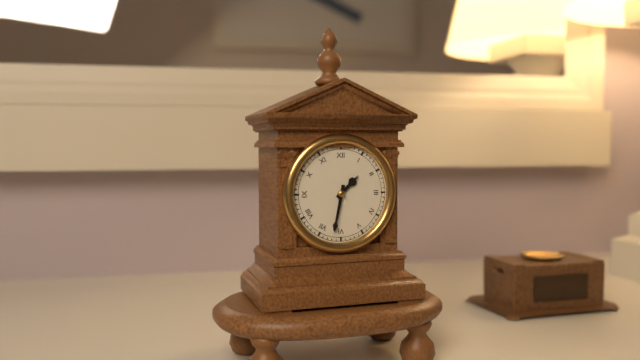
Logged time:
1h32
